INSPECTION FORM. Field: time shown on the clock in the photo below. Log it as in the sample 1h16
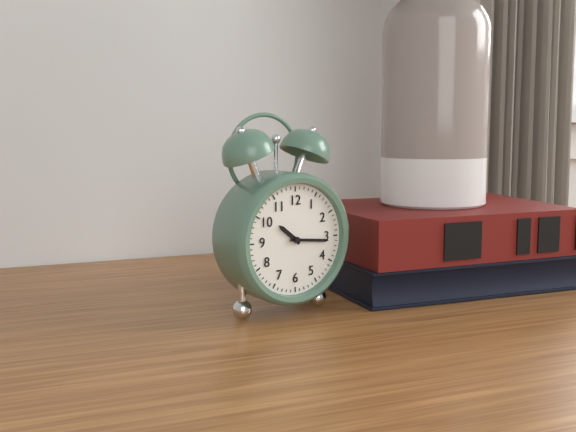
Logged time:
10h16
